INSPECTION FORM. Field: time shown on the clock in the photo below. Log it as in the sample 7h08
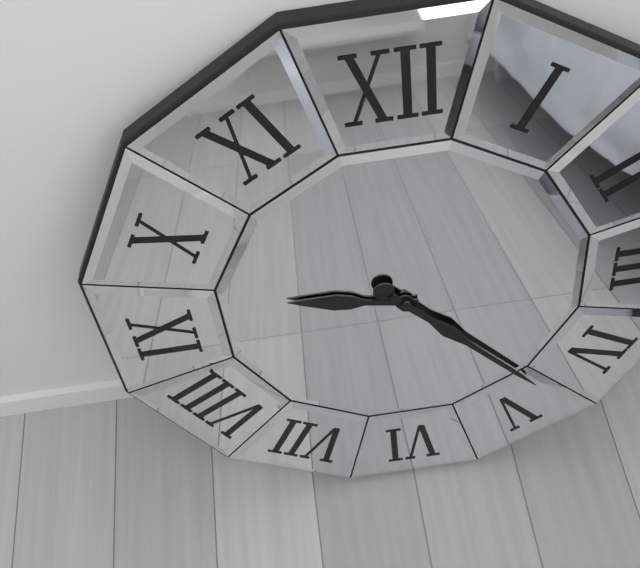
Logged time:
9h23
